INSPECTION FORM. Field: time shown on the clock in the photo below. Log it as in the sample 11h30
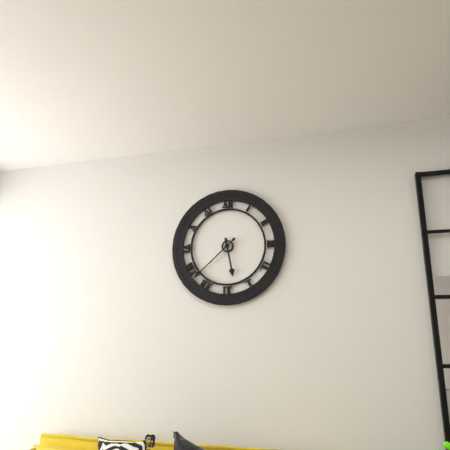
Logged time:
5h38
